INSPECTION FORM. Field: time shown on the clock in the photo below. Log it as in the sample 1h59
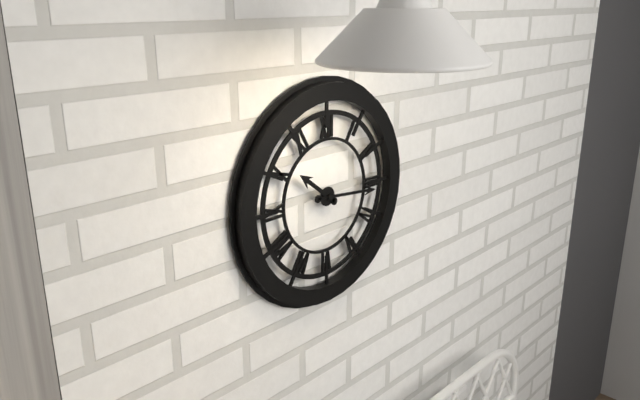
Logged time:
10h16
